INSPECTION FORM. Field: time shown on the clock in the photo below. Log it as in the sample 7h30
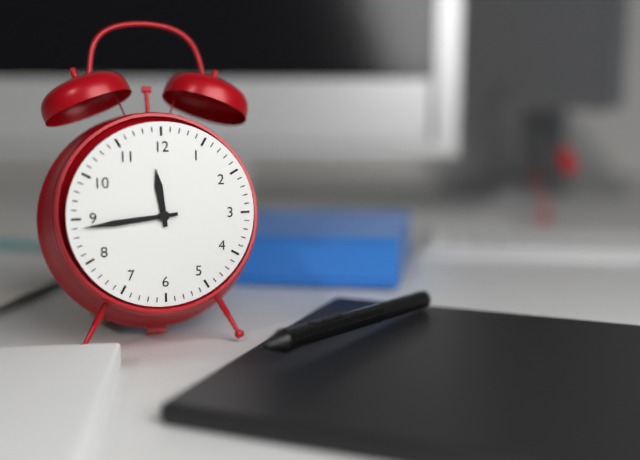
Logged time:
11h44
